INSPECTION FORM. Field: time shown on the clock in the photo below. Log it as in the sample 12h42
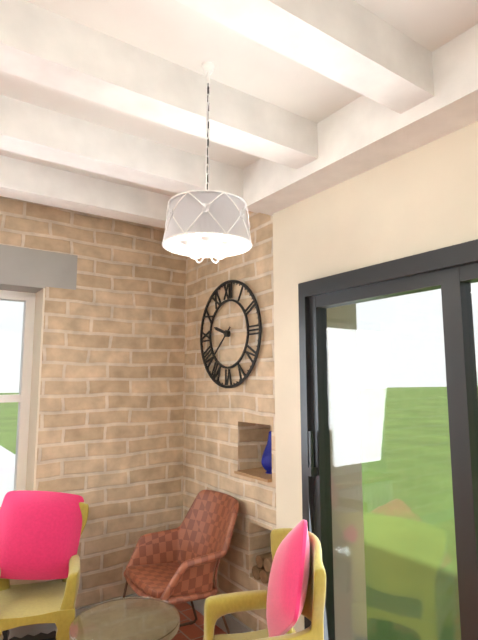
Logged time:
9h38
